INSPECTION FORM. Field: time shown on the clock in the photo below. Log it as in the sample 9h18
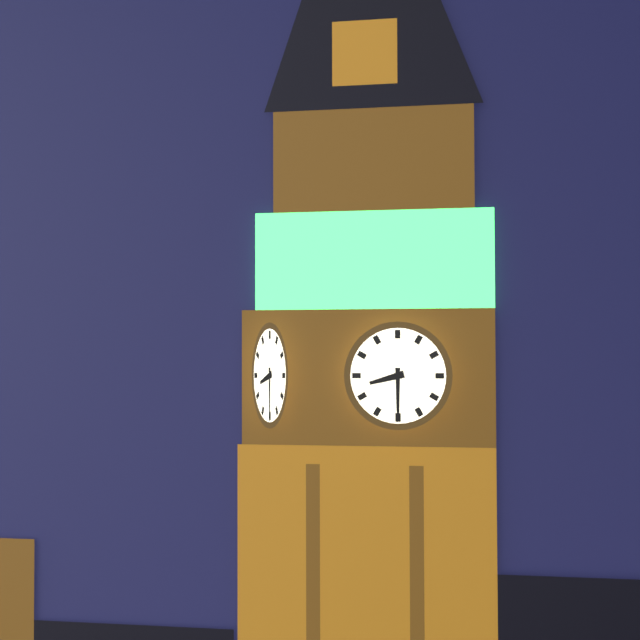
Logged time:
8h30
